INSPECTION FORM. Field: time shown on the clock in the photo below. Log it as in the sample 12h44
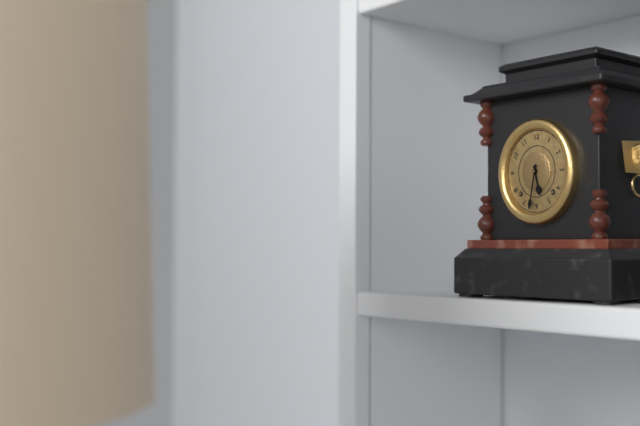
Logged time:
5h32
